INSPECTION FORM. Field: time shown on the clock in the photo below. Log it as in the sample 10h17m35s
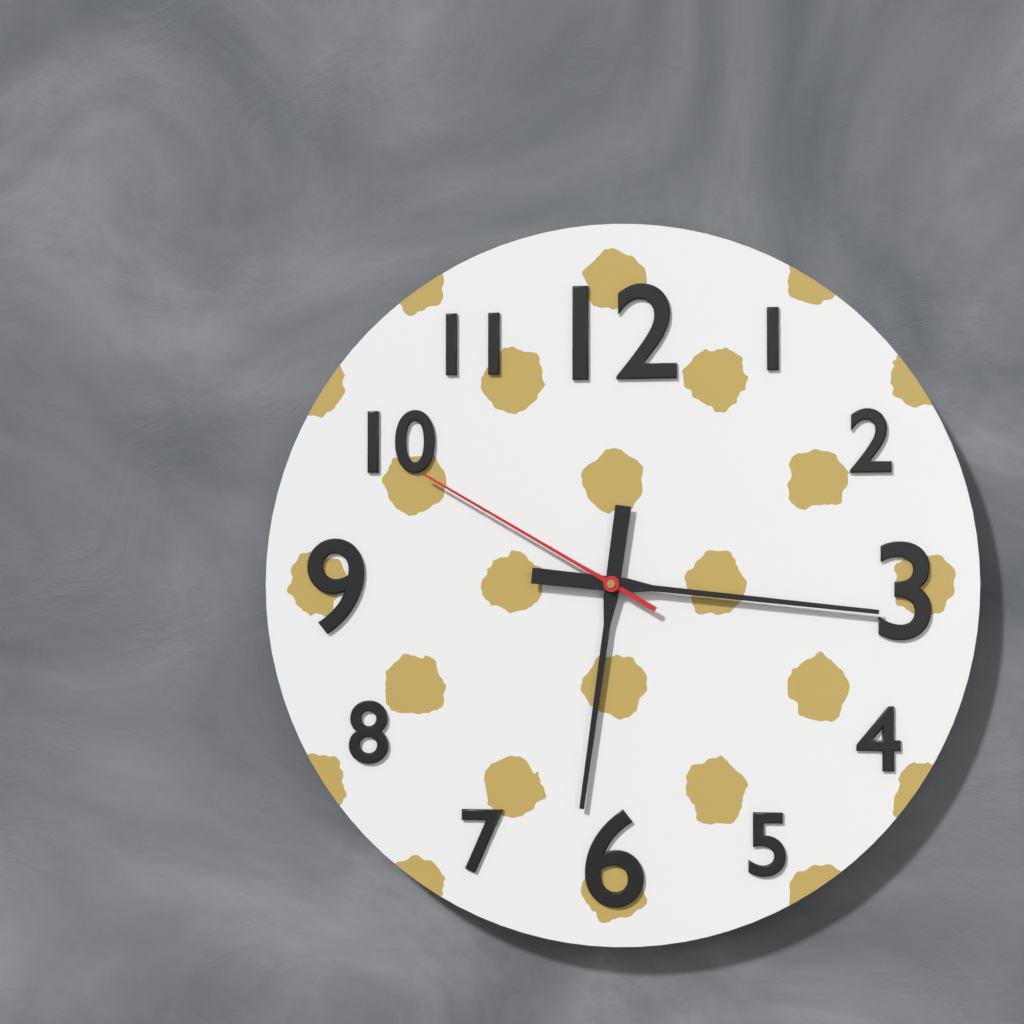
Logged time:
6h16m50s
